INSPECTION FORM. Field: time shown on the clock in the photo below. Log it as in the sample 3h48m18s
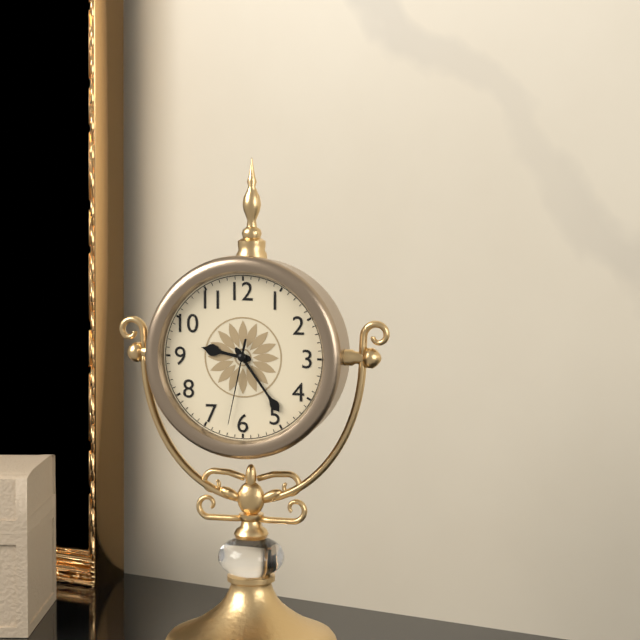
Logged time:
9h24m32s
